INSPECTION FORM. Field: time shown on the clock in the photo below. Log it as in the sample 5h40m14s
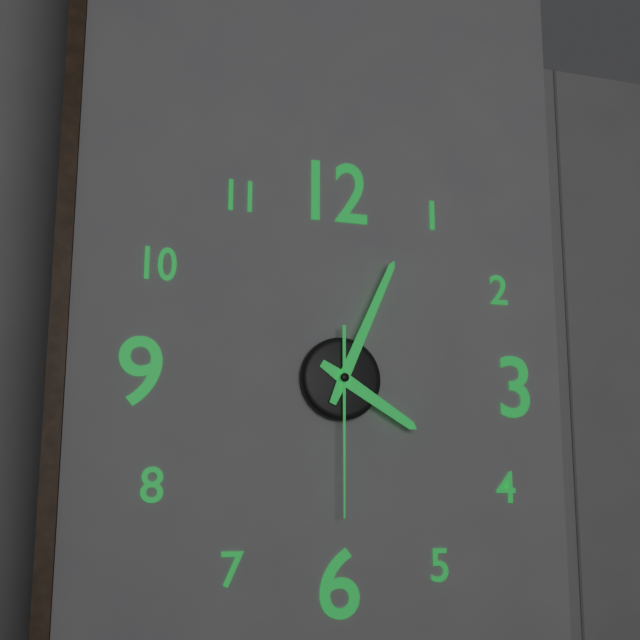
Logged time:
4h04m30s
